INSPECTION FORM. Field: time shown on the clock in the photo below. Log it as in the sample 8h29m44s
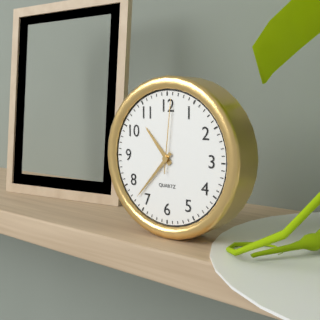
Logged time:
10h37m01s
